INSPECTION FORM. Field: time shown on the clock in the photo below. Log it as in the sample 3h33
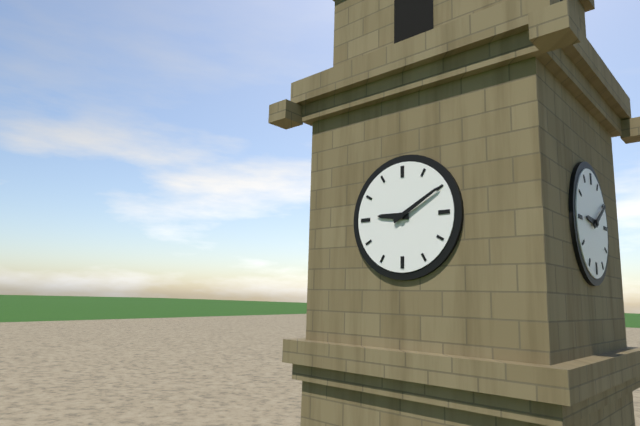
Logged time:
9h10
